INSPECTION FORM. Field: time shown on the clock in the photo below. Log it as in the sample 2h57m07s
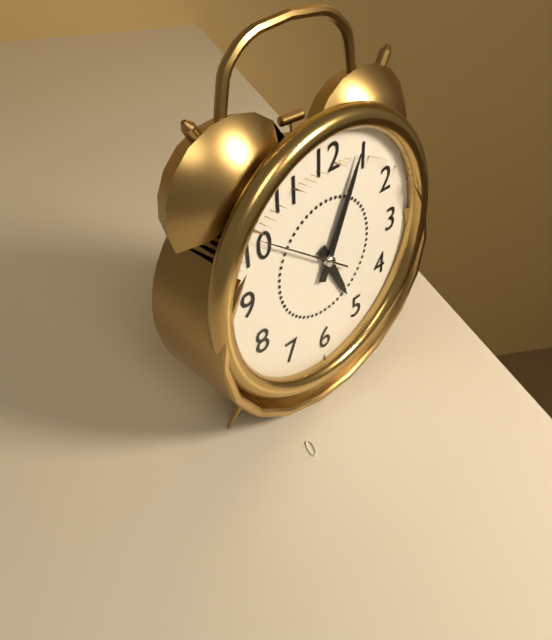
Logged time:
5h04m51s
